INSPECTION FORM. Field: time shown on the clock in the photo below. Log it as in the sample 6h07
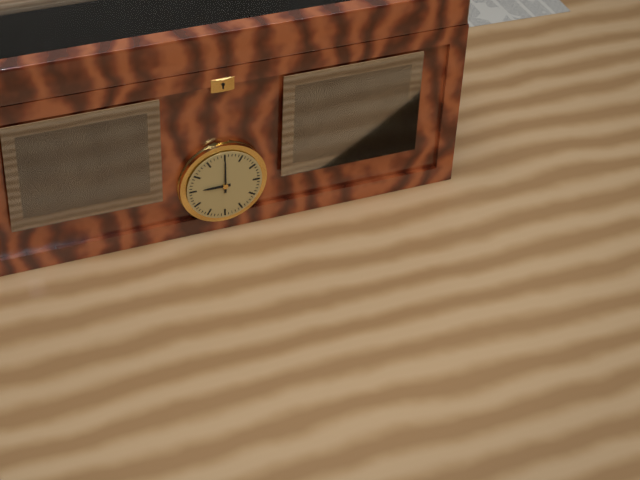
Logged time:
9h00
